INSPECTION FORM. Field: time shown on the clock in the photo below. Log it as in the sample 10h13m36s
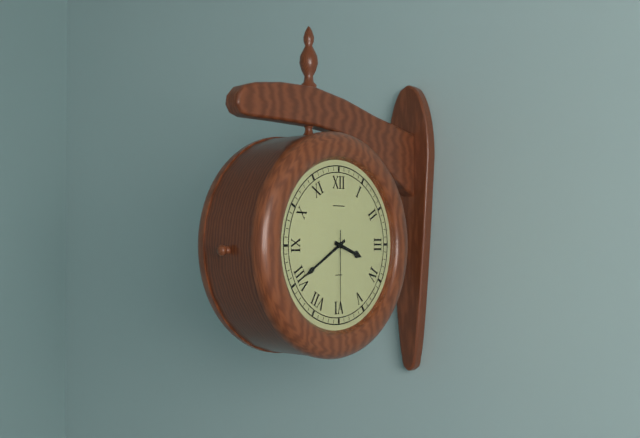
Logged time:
3h40m30s
